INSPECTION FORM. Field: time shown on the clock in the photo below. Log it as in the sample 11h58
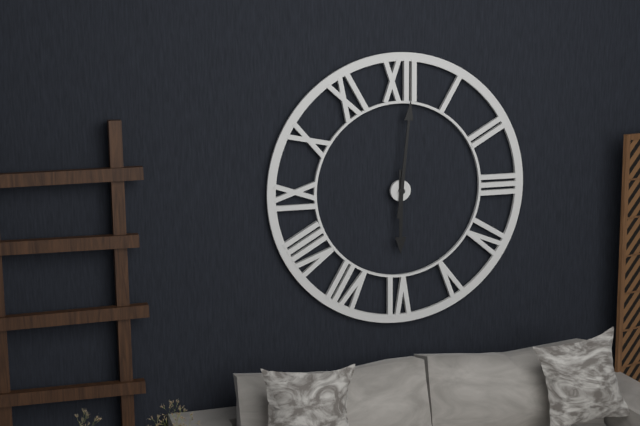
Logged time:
6h01
